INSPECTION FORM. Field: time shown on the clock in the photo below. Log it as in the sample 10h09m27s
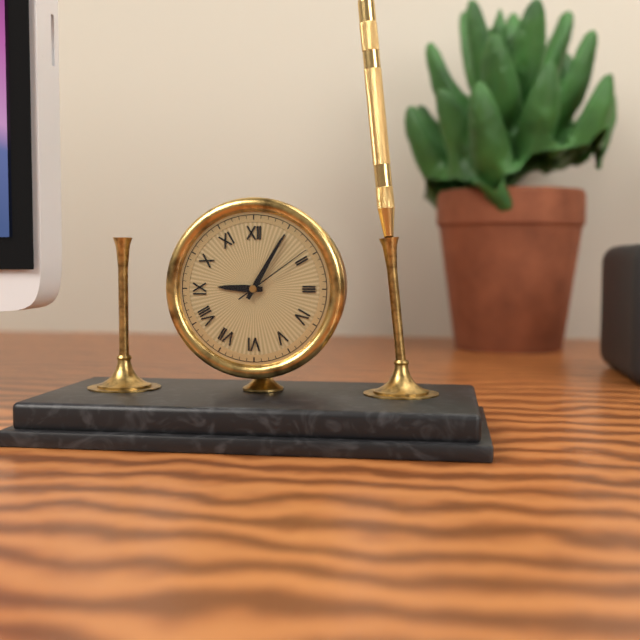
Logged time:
9h05m09s
